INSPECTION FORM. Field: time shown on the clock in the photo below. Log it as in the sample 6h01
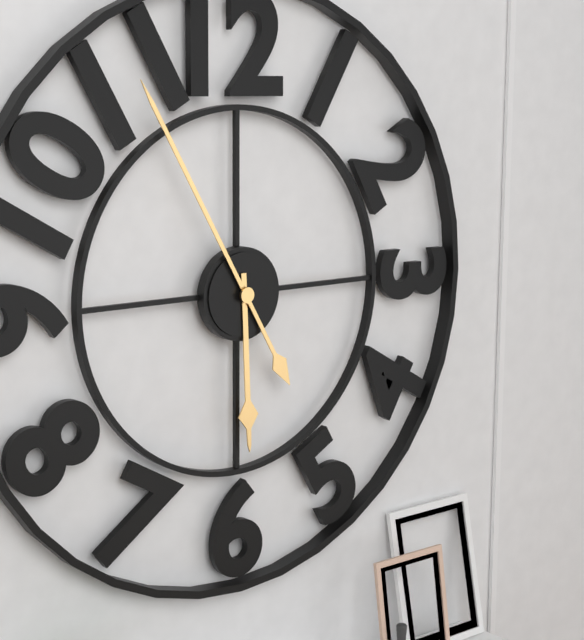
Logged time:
5h55
